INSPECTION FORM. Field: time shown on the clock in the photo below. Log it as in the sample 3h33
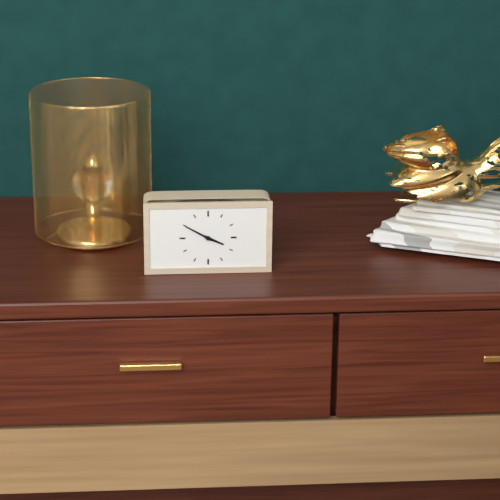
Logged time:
3h50
